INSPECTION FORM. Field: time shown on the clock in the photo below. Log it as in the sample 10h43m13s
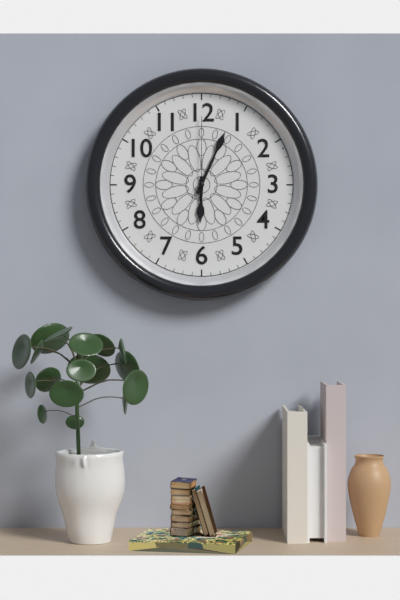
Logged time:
6h04m00s
